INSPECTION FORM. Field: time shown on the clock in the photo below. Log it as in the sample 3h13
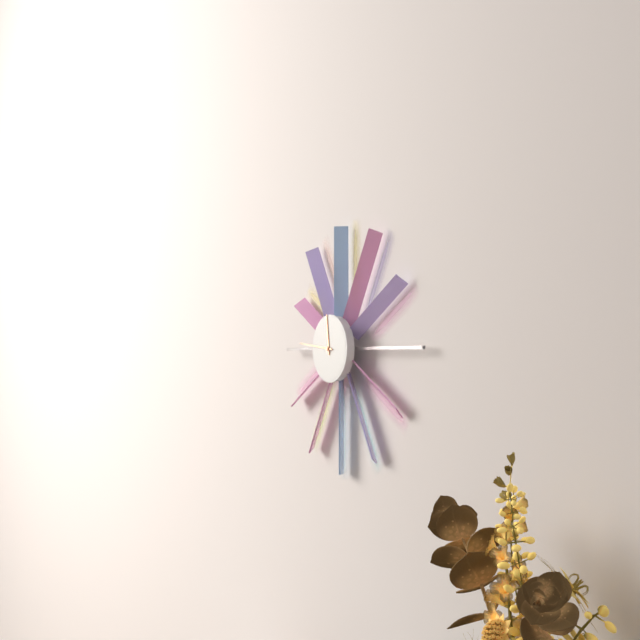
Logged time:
11h46
